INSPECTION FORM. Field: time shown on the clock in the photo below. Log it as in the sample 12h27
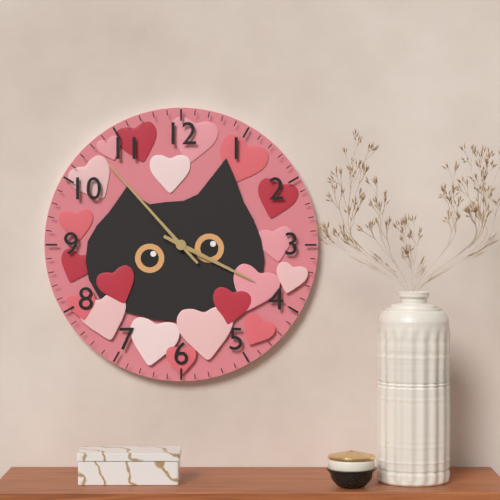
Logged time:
3h53
